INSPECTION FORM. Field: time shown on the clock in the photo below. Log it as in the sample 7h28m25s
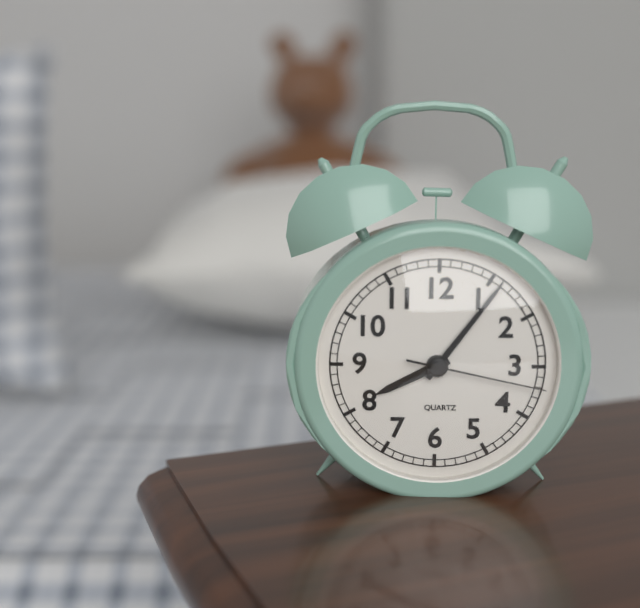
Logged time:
8h06m17s
